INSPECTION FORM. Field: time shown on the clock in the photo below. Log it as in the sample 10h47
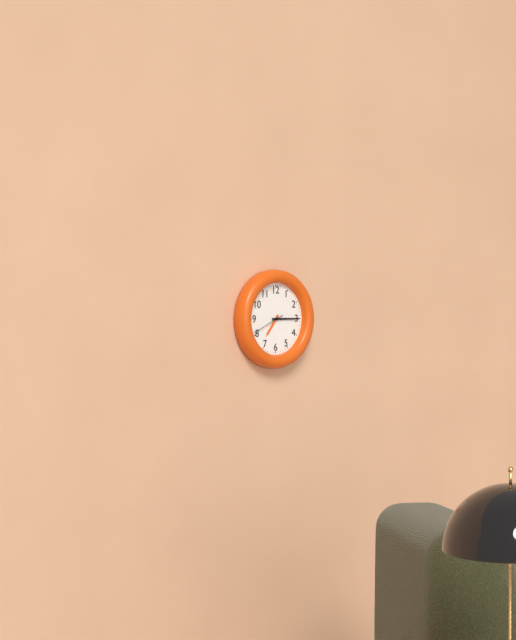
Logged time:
7h15
